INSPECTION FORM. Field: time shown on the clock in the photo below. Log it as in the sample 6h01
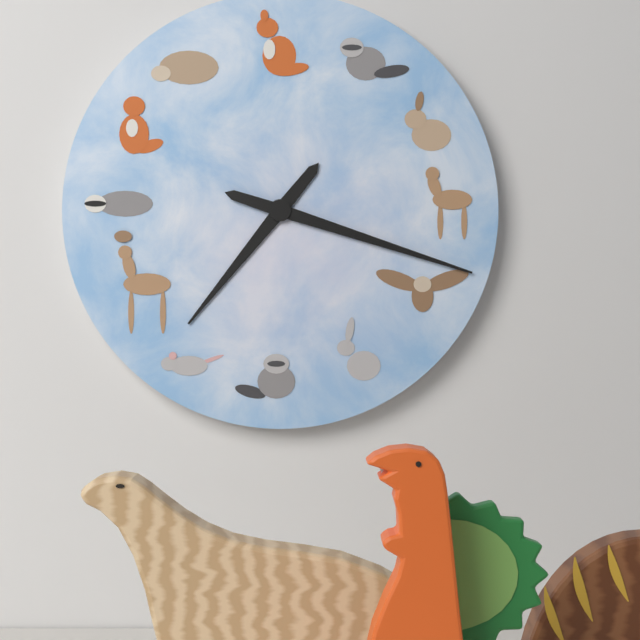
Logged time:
7h18
